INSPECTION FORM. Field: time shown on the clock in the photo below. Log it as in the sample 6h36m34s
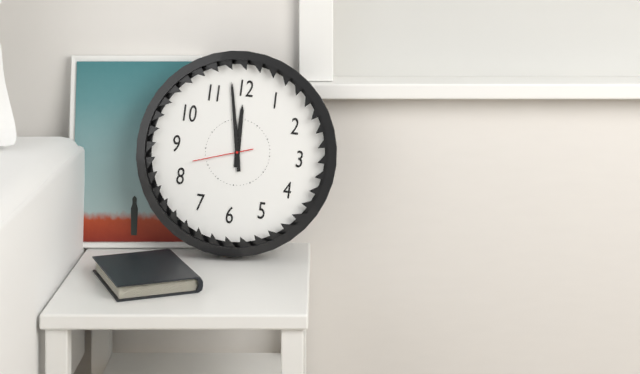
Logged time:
11h58m42s
